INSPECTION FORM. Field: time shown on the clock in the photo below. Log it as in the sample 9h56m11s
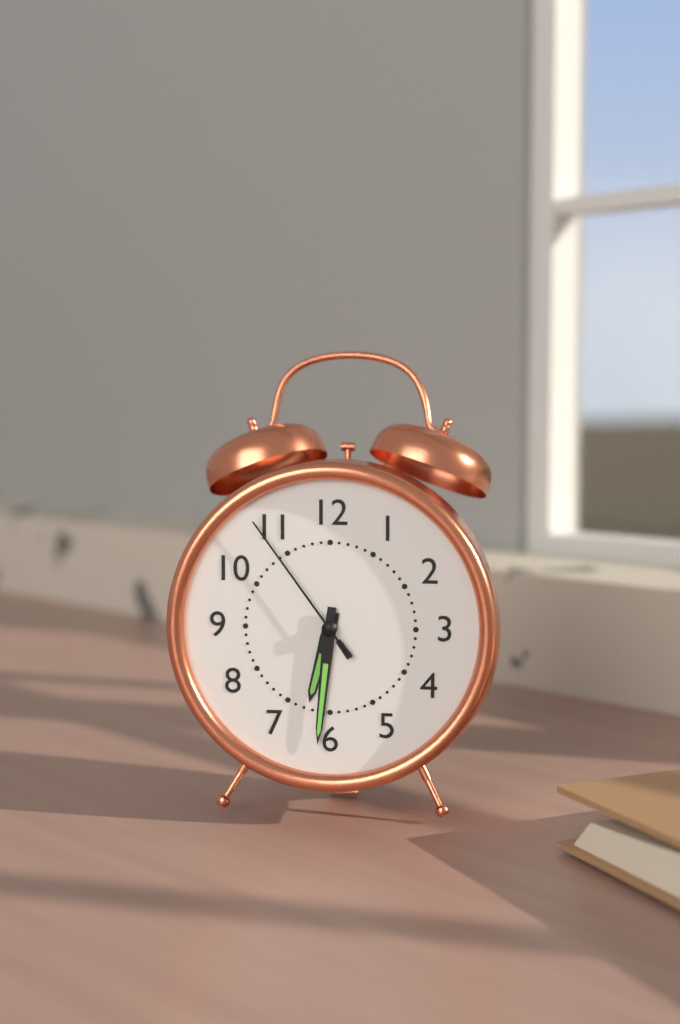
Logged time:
6h31m54s
